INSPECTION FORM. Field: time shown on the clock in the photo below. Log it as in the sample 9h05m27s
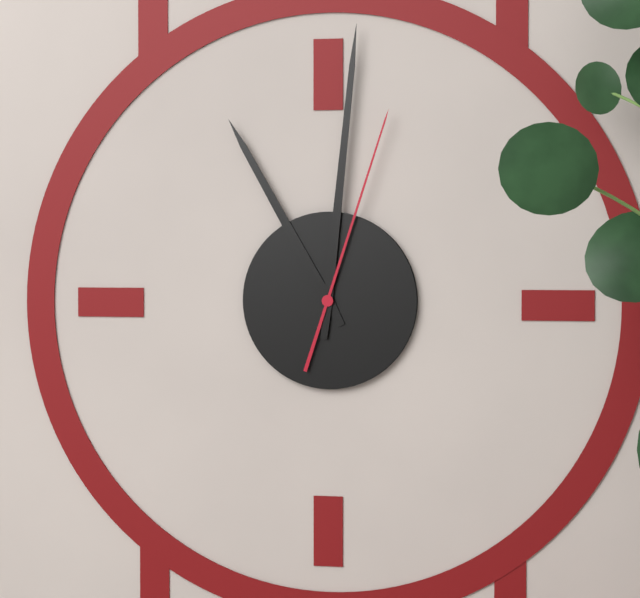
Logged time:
11h01m03s
